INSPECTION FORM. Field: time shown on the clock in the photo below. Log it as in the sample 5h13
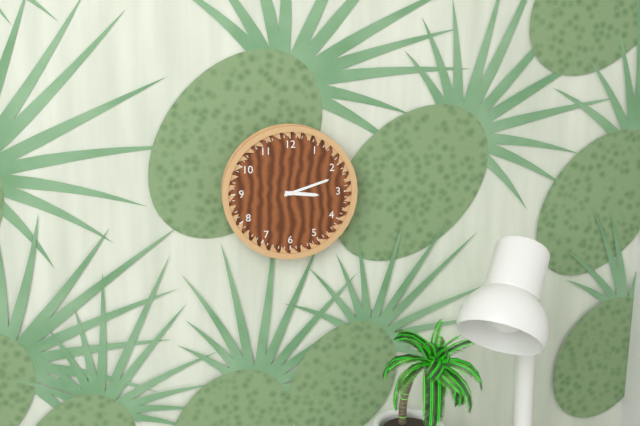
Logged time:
3h12
